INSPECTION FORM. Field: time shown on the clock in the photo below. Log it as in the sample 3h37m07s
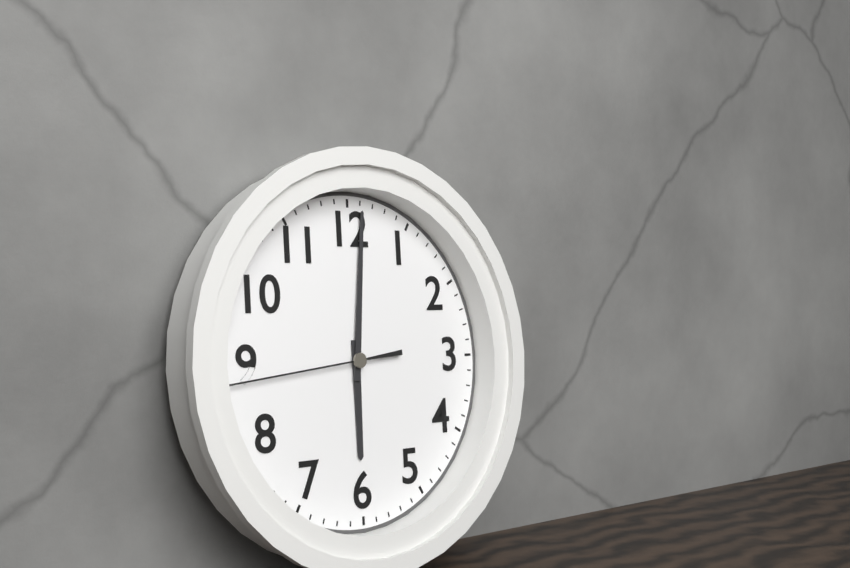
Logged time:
6h01m44s
